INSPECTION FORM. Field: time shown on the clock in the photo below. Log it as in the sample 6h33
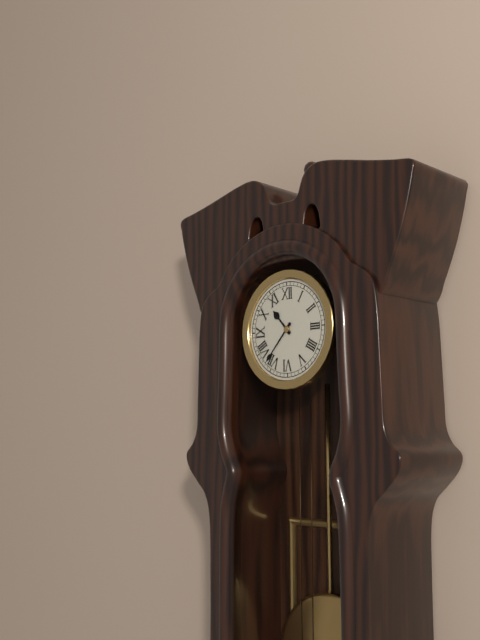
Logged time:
10h37
